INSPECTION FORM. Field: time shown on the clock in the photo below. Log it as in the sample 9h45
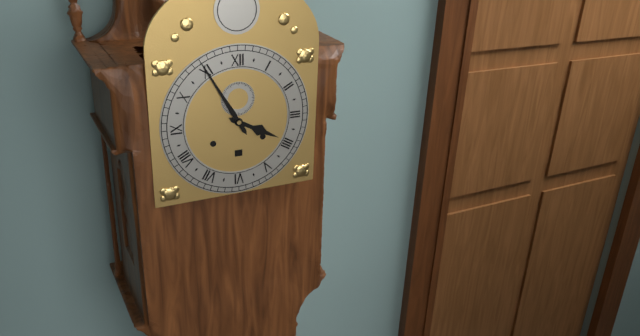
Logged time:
3h55
